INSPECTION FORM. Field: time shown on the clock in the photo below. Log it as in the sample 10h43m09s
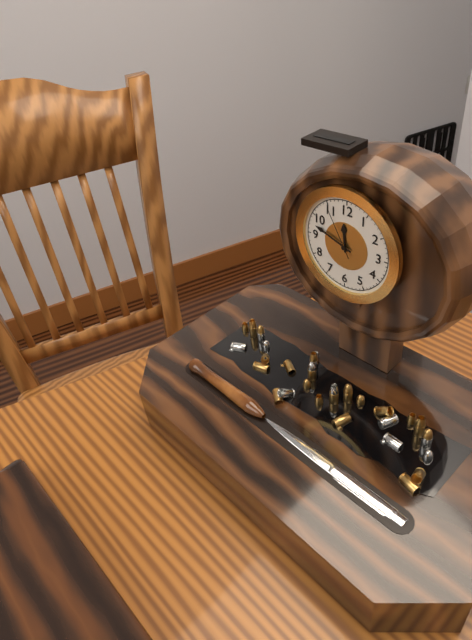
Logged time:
11h48m55s
